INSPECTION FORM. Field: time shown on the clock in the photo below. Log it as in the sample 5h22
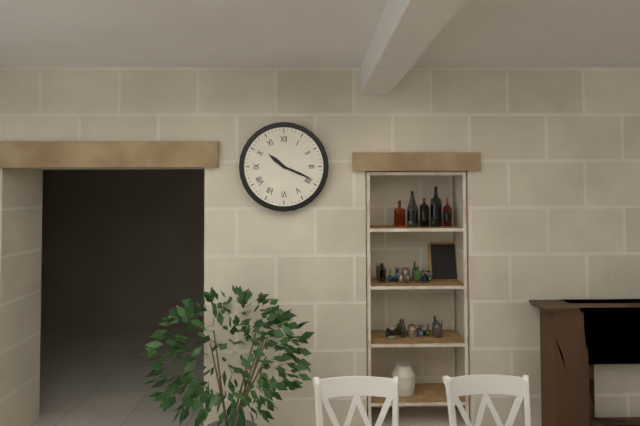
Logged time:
10h19
